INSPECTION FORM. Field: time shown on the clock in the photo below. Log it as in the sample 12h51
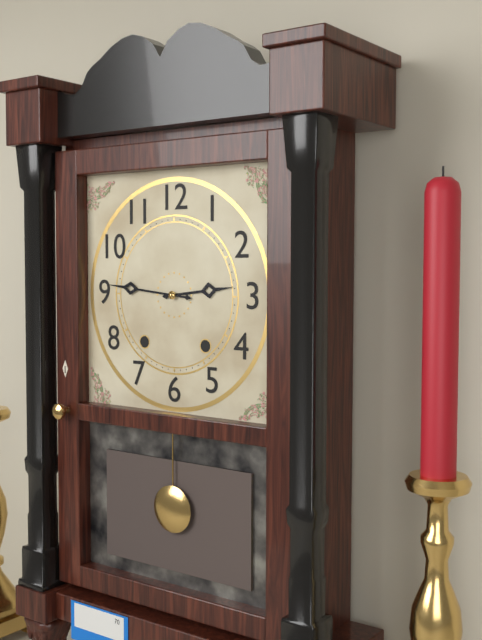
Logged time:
2h46
